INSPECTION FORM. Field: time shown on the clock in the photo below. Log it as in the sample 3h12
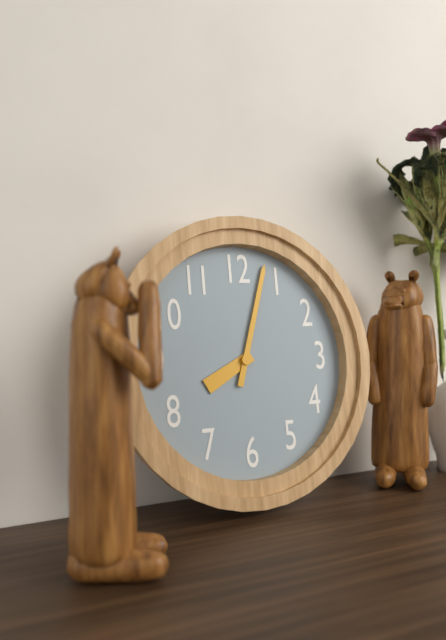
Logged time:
8h03
